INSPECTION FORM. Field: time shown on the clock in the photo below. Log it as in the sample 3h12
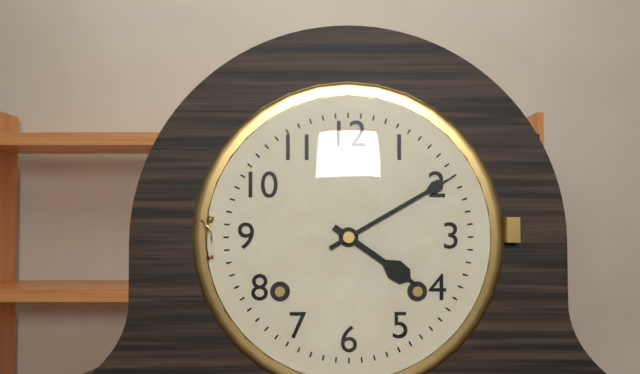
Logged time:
4h10
